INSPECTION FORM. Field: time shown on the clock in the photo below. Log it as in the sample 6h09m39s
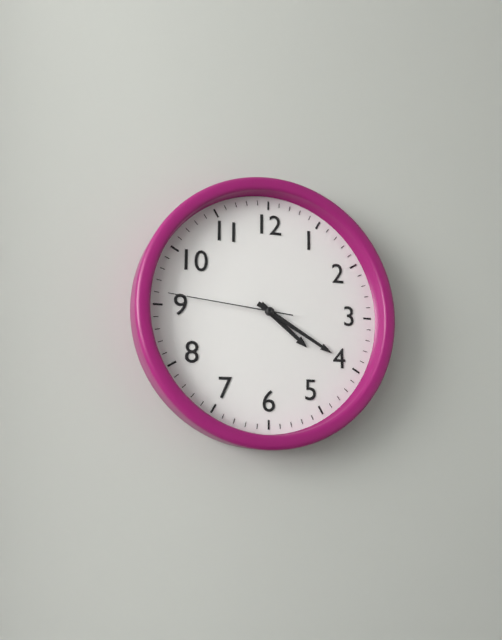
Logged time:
4h20m46s
